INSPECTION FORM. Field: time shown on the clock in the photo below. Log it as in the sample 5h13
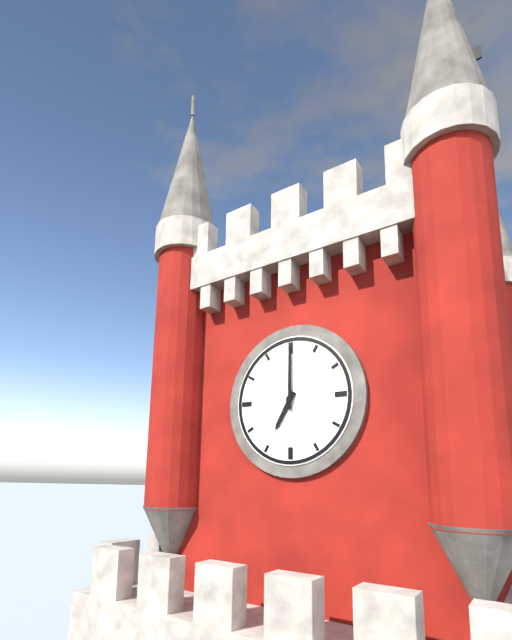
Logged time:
7h00
